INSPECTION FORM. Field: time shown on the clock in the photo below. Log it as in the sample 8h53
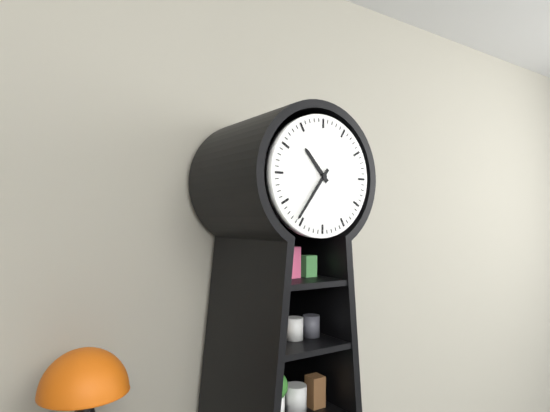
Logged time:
10h36
